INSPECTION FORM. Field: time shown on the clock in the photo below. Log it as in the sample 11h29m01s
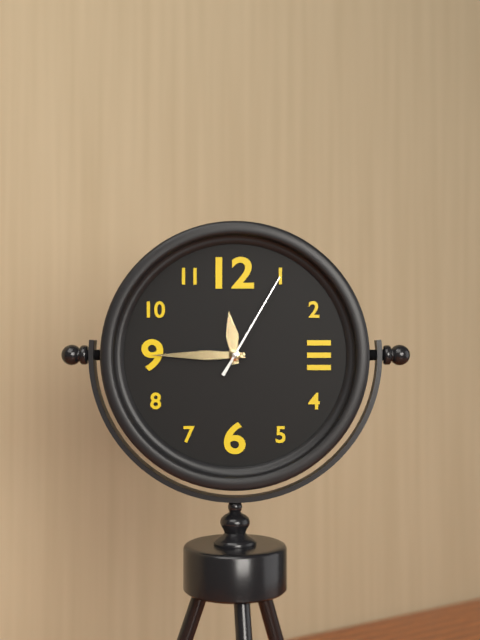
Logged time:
11h45m05s
